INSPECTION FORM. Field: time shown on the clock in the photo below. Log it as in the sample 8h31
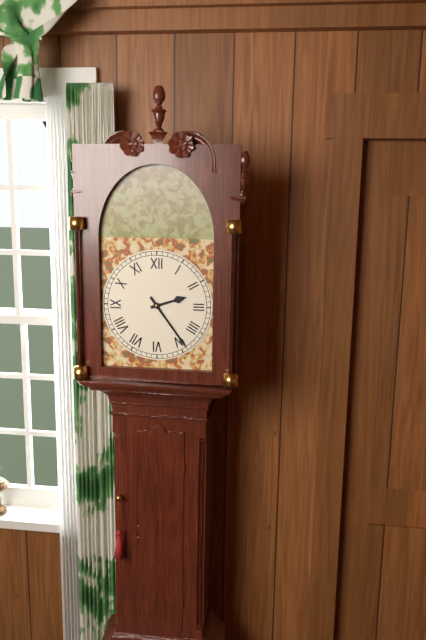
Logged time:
2h24
